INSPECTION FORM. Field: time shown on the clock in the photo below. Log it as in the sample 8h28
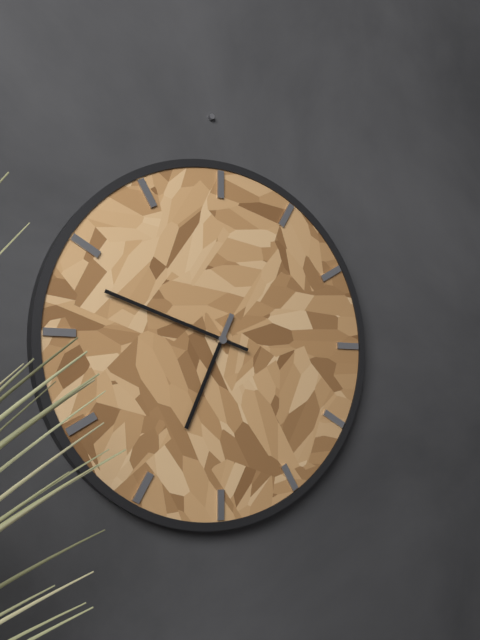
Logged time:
6h48
